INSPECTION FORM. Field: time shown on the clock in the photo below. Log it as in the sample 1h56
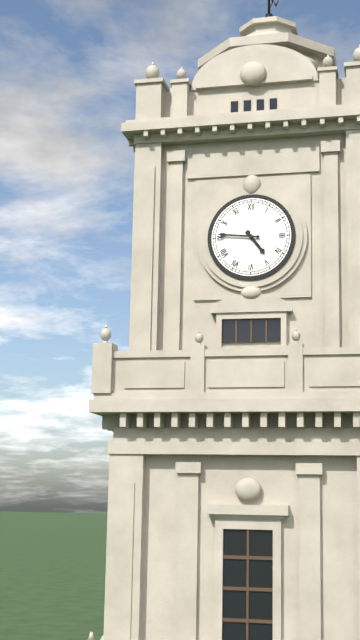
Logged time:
4h46
